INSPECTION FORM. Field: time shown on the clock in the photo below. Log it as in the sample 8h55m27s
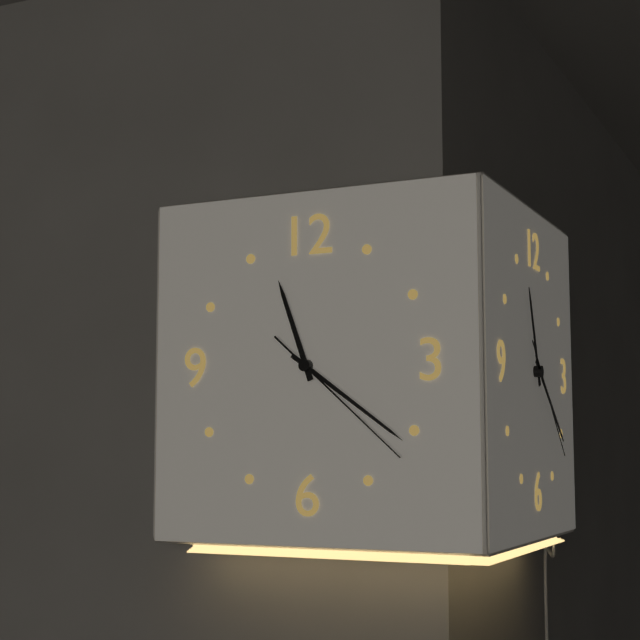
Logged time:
11h21m22s
